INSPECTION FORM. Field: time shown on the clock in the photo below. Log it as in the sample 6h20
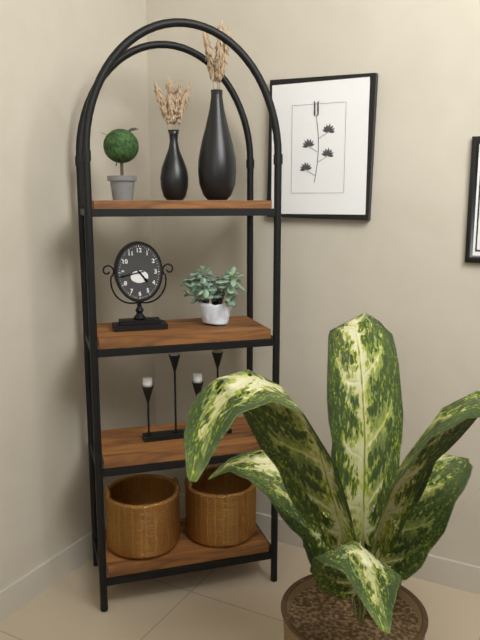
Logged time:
4h43
